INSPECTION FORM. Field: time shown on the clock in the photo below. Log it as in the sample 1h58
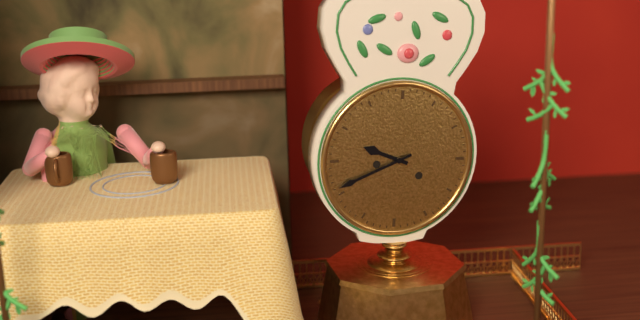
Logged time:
9h41
